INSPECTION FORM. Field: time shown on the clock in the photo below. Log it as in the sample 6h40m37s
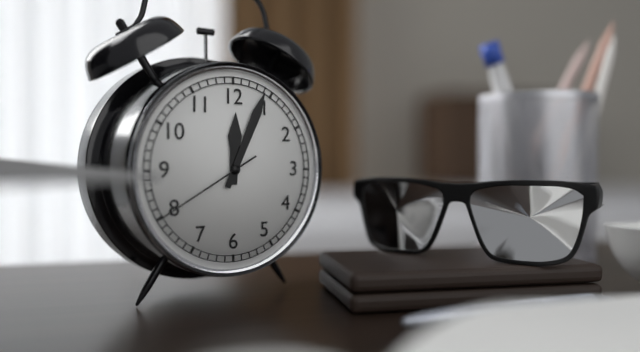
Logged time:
12h04m40s
